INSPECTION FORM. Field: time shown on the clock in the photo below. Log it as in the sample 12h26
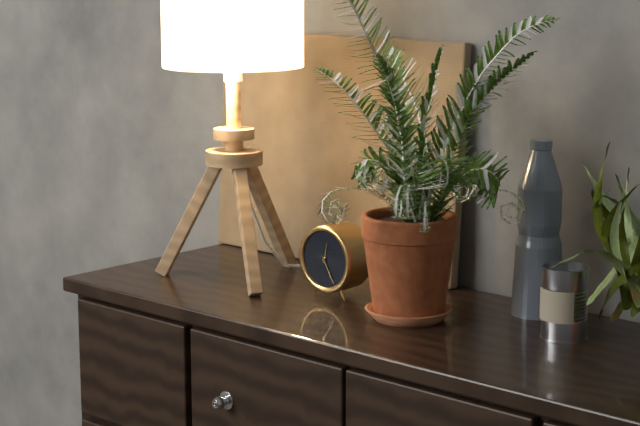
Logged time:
12h25
